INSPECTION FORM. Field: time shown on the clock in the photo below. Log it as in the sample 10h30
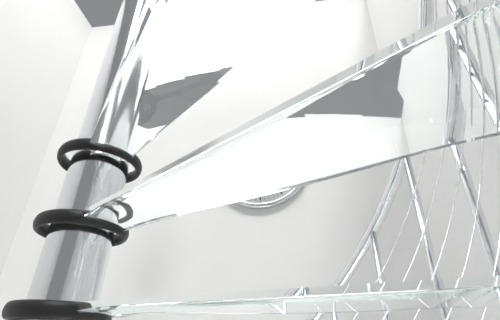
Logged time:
10h39
